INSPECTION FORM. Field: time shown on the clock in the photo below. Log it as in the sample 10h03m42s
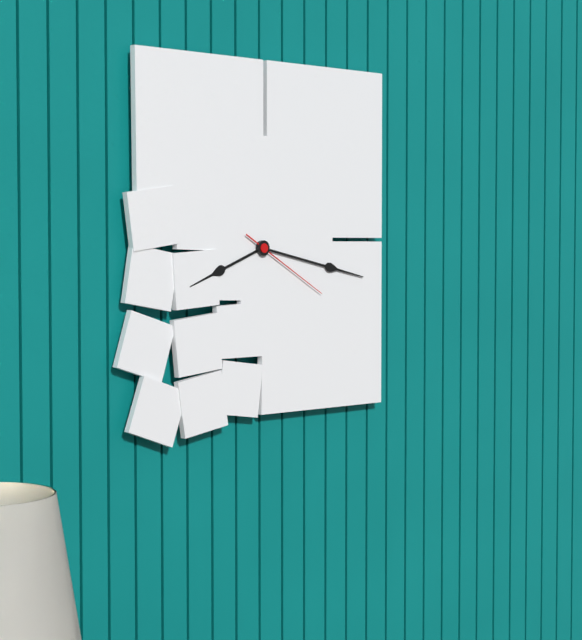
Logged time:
8h17m20s
